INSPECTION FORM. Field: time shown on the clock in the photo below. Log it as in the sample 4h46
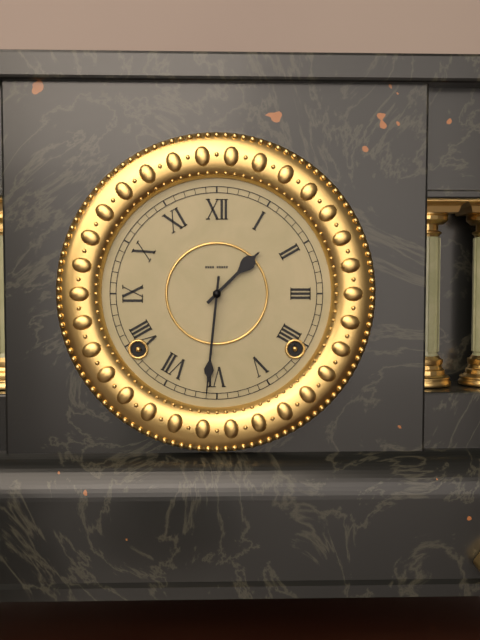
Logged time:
1h31
